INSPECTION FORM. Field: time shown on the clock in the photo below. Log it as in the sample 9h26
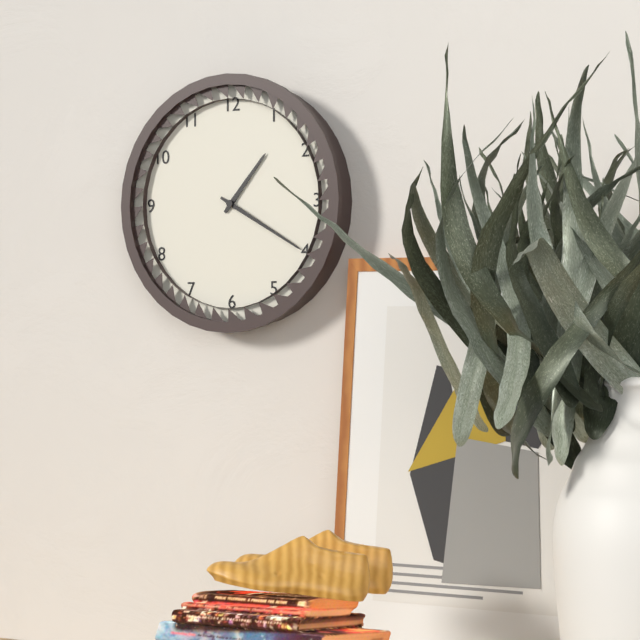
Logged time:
1h20
